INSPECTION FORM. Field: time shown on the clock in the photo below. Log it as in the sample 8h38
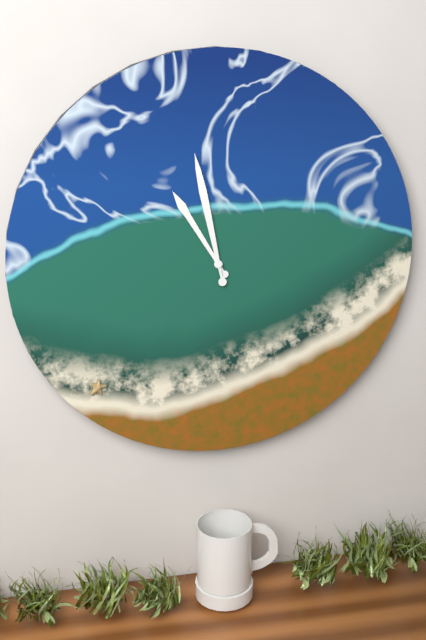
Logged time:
10h58
